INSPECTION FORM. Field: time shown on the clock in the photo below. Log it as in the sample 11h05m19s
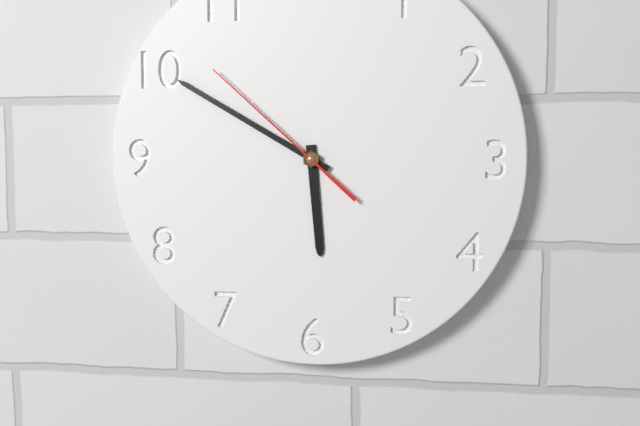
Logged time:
5h50m52s
